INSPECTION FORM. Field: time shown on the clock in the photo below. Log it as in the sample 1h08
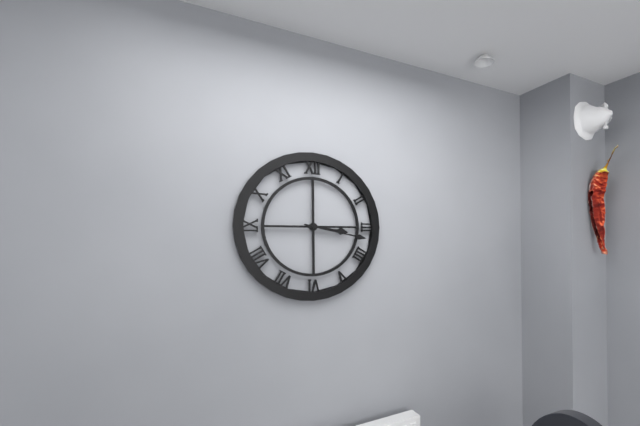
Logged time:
3h17
